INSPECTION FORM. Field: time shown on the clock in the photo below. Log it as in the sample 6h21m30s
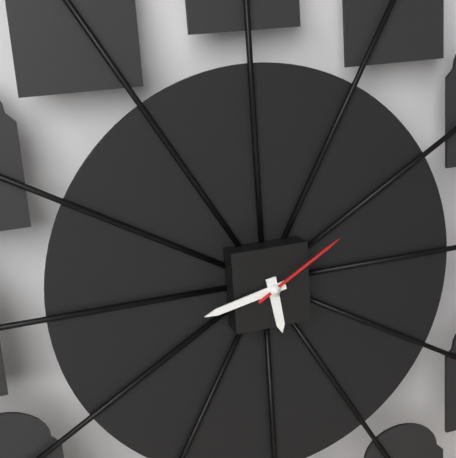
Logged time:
5h43m10s
